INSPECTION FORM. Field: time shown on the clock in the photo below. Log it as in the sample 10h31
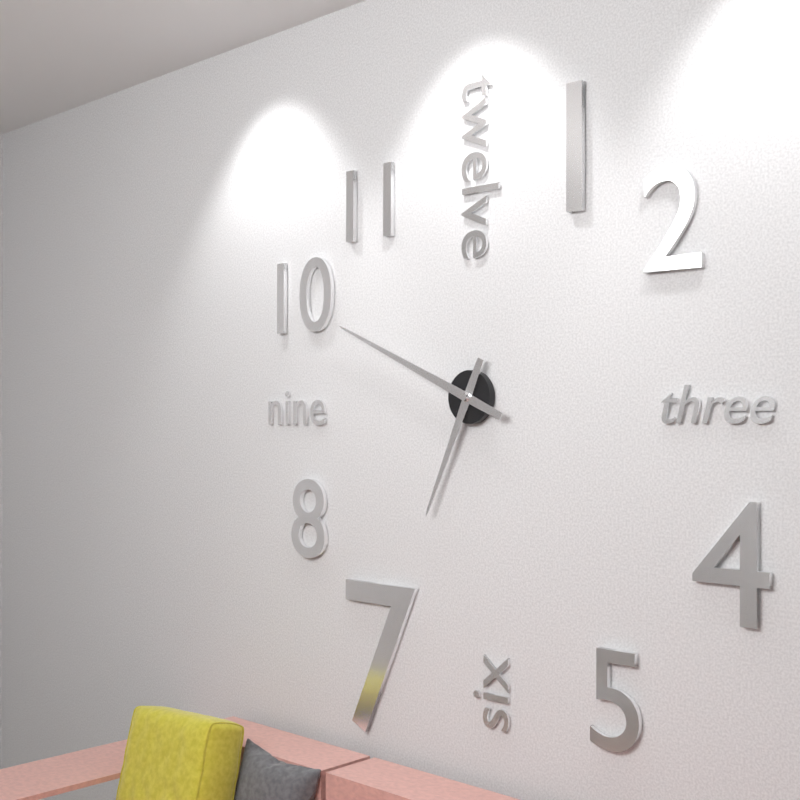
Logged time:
6h49
